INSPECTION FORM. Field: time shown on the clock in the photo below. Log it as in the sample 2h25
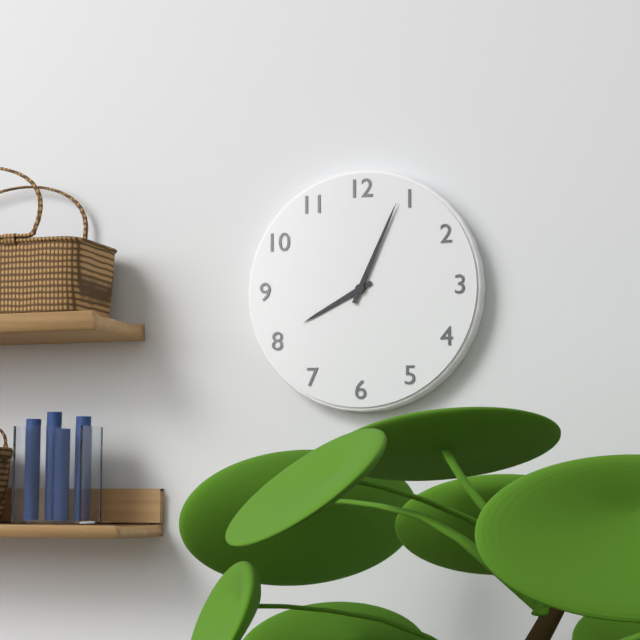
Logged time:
8h04
